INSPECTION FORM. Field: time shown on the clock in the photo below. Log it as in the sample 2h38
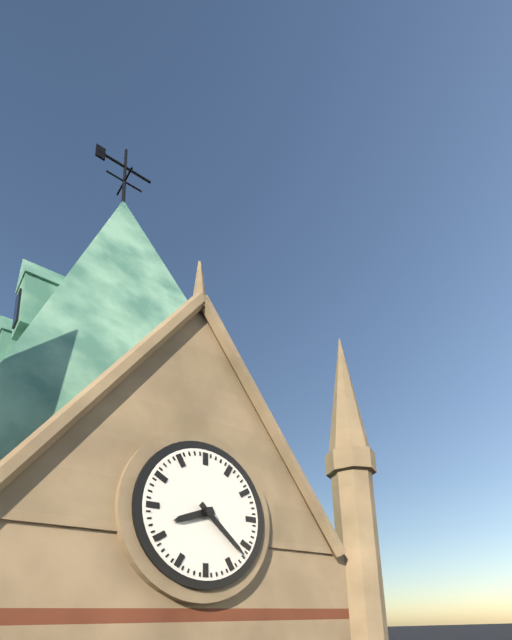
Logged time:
8h22
